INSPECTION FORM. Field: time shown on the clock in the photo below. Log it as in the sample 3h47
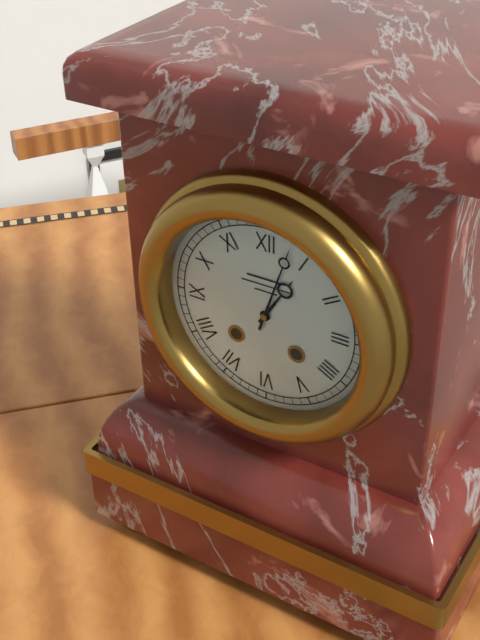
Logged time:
1h03
